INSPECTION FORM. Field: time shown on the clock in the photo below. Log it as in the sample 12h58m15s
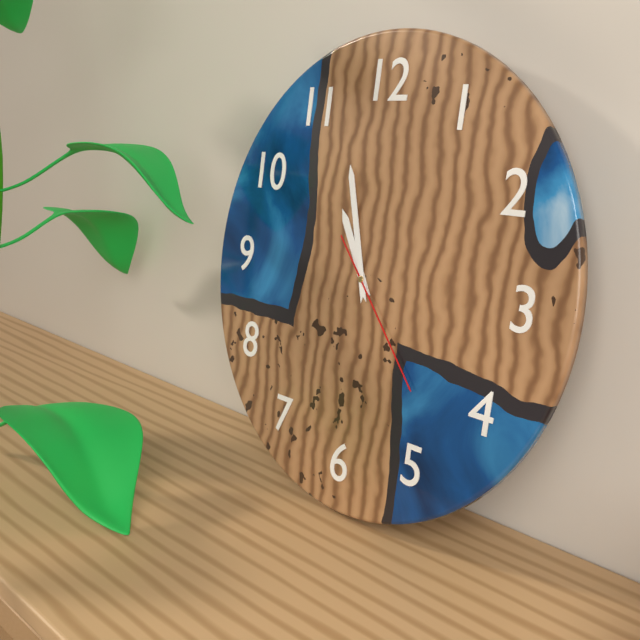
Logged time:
10h57m23s
